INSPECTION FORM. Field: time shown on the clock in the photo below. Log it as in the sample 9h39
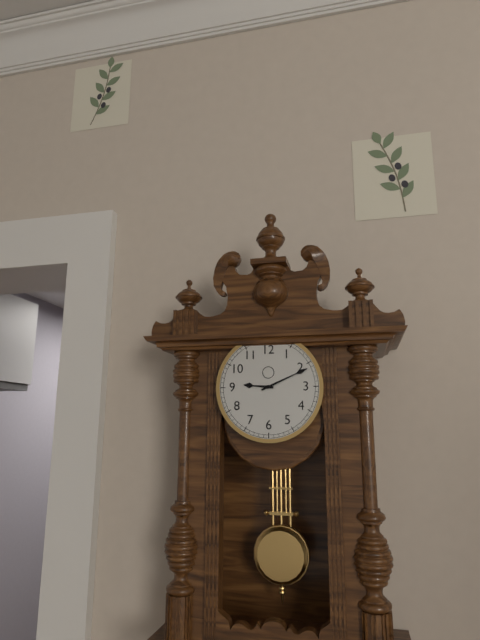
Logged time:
9h11
